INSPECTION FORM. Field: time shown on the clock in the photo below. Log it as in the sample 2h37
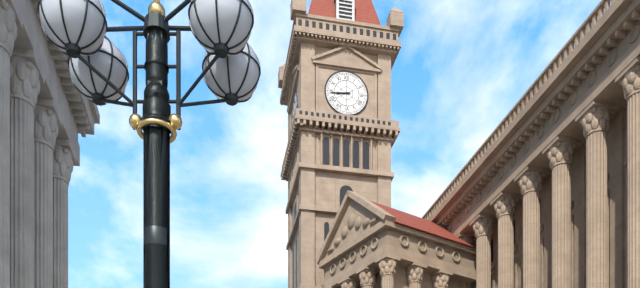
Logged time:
8h44
